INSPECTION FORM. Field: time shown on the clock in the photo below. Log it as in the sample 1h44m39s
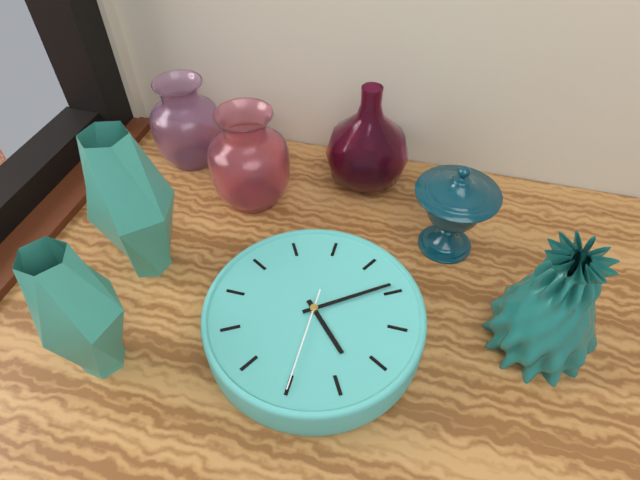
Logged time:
9h34m55s
